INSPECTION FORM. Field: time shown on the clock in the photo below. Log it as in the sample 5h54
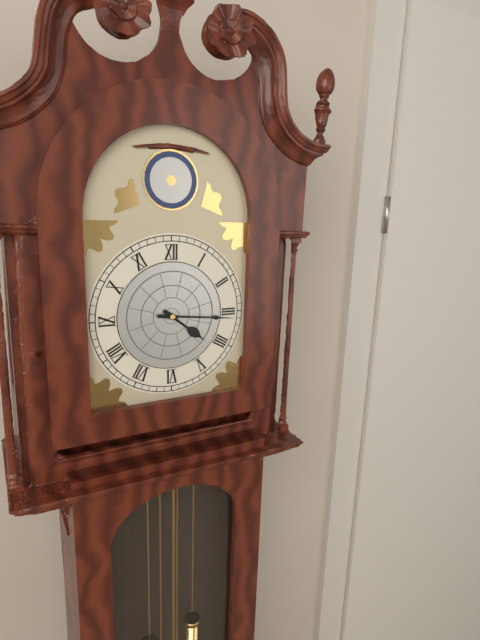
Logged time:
4h16
